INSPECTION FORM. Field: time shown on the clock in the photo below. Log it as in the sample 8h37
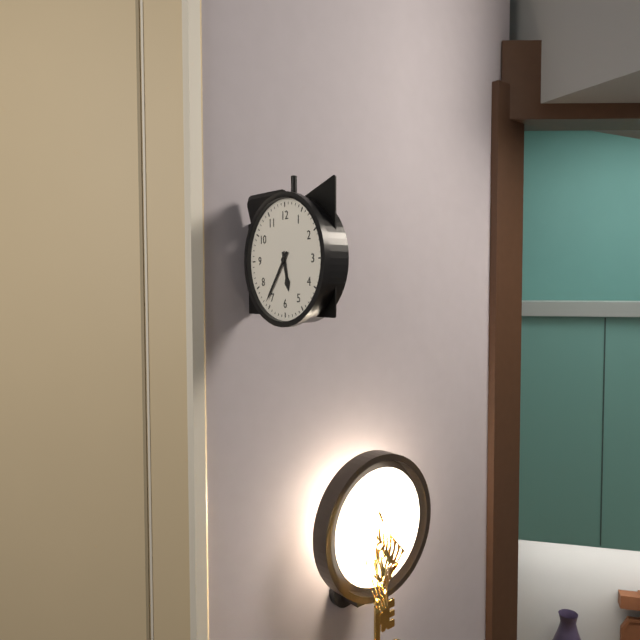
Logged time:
5h36
